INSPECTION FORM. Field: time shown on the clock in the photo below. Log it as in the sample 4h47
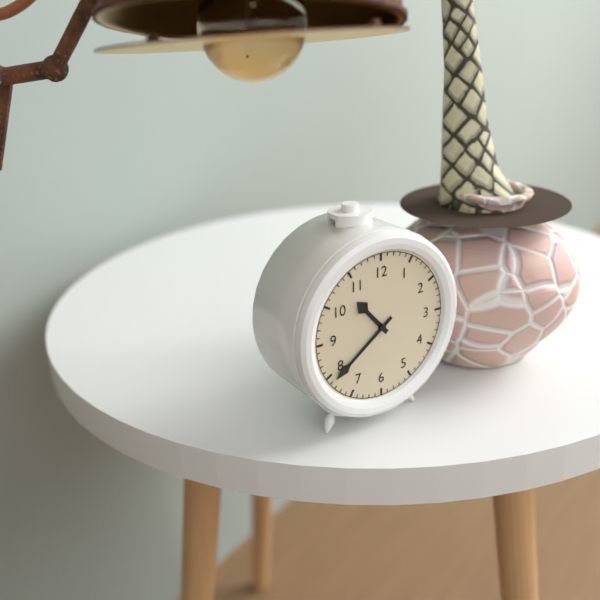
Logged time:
10h39
